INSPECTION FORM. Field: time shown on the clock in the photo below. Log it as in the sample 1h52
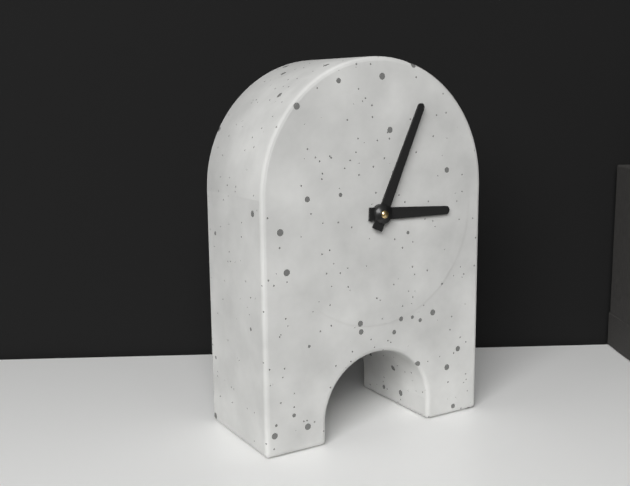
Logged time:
3h04
